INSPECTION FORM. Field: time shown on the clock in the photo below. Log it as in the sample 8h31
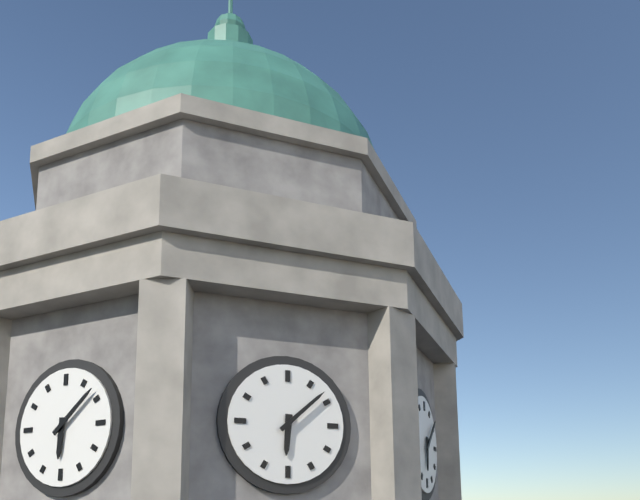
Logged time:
6h08
